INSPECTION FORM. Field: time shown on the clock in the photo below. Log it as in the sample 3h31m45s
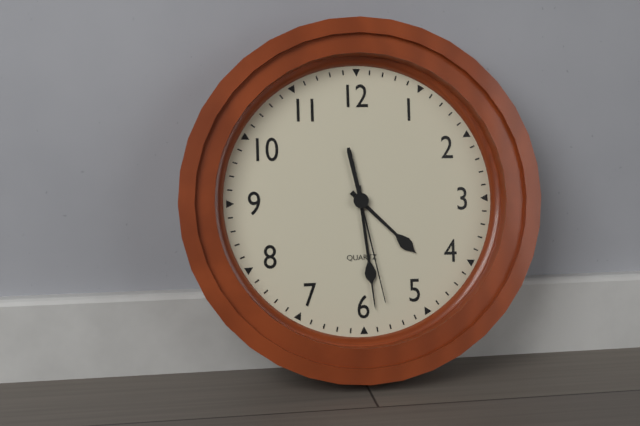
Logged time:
4h29m28s
